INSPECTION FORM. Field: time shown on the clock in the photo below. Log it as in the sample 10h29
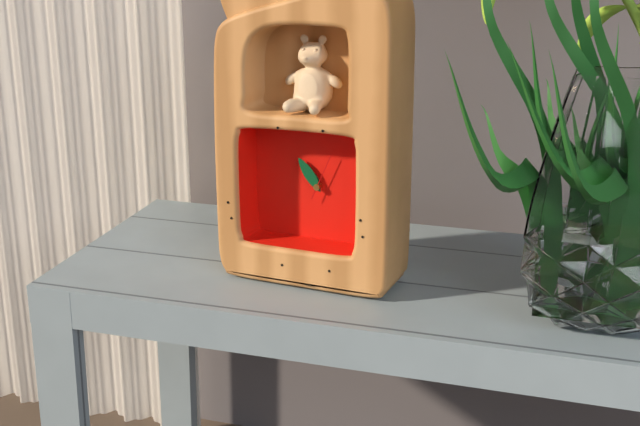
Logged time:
10h54
